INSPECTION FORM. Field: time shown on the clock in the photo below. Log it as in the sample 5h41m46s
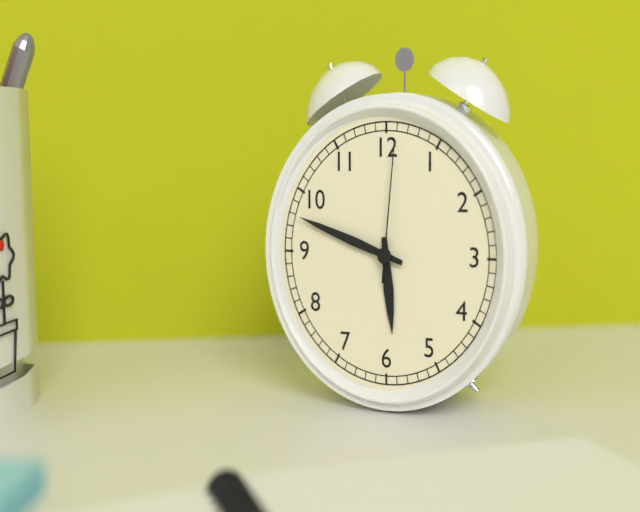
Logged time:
5h48m01s
